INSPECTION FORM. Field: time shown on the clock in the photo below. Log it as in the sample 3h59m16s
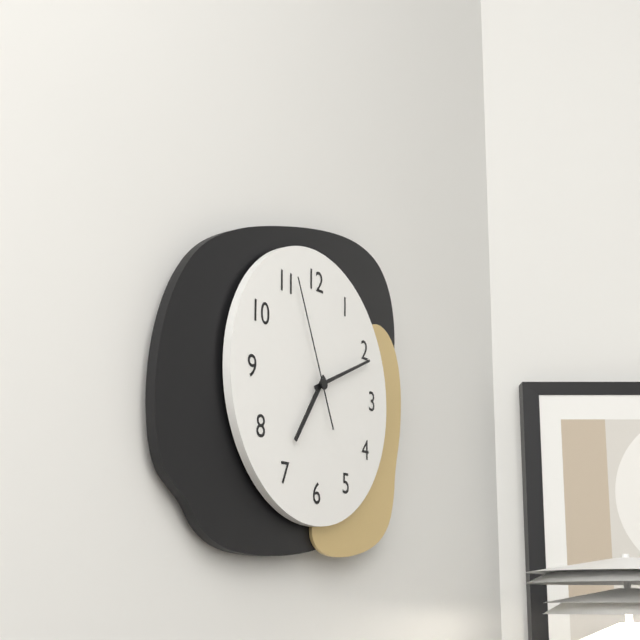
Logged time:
7h11m56s
